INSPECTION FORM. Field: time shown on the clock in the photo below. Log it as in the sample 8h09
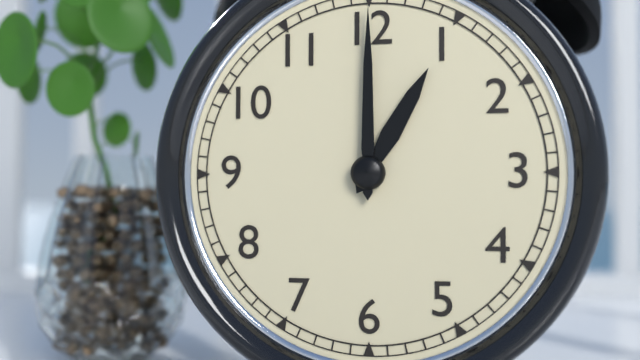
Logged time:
1h00
